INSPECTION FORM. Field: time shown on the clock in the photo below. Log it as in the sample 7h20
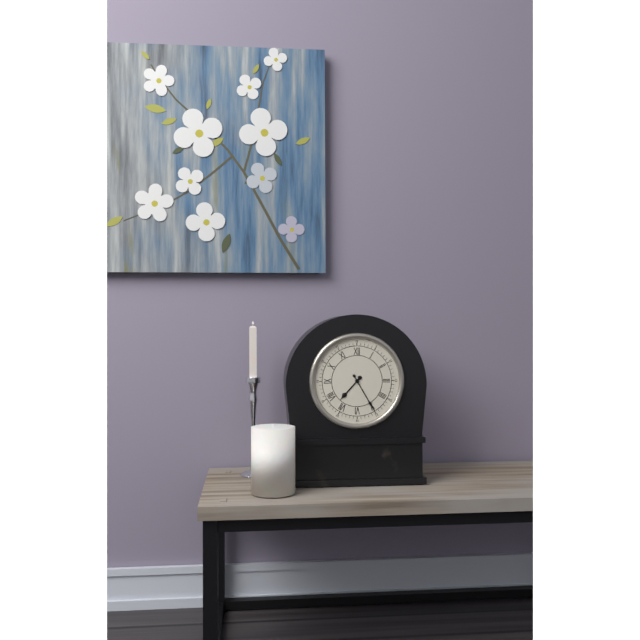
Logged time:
7h25
